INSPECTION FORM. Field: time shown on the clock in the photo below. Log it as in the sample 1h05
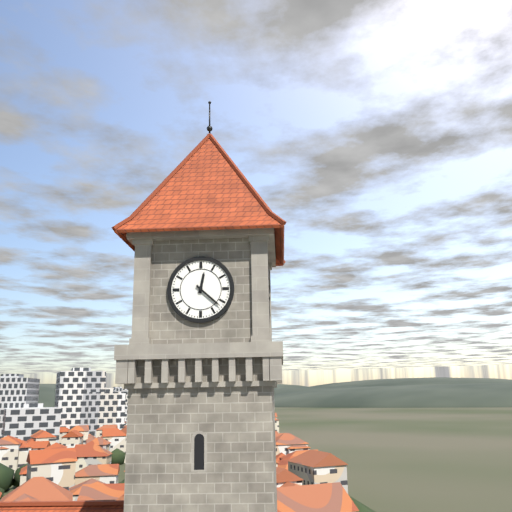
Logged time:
12h22
